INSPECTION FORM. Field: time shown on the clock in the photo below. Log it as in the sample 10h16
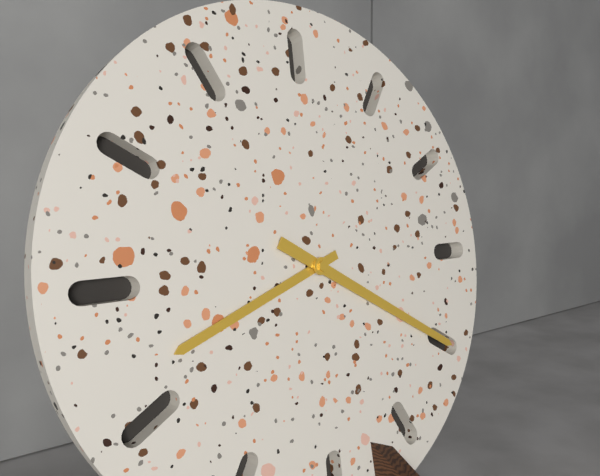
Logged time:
8h20
